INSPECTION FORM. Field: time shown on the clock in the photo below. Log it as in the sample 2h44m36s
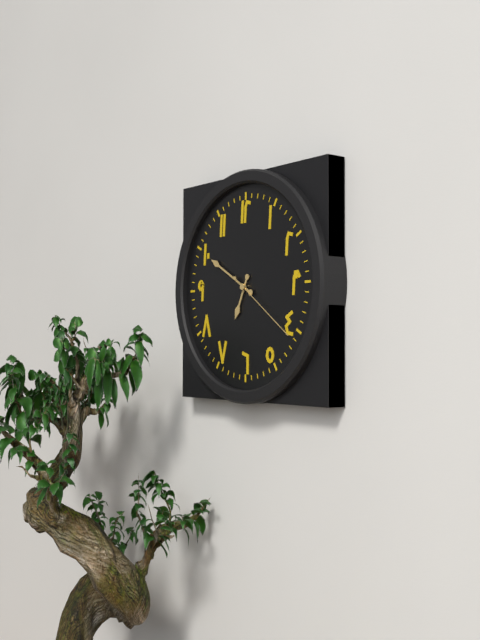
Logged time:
6h50m21s
